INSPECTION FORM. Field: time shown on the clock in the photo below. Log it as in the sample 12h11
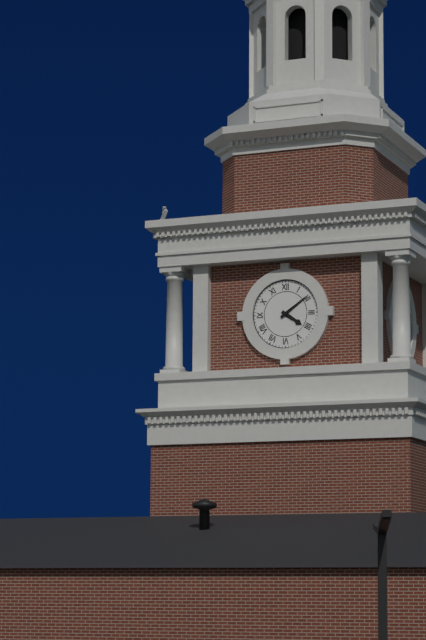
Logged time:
4h09
